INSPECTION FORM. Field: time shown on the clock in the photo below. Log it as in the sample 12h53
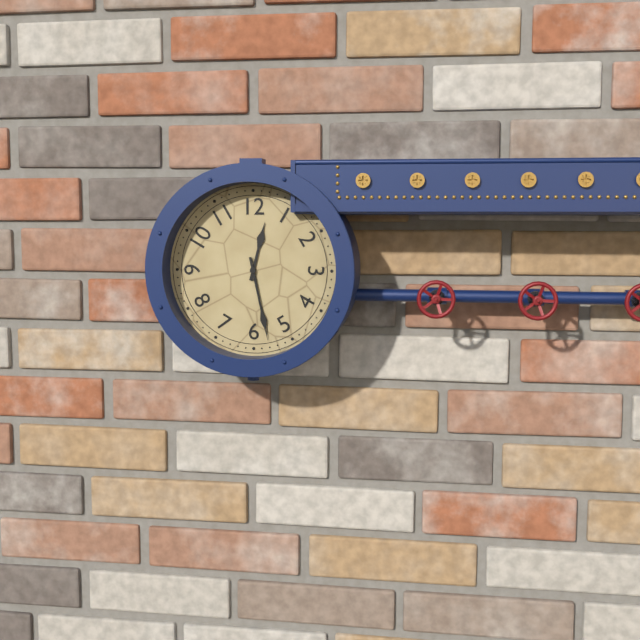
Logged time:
12h28
